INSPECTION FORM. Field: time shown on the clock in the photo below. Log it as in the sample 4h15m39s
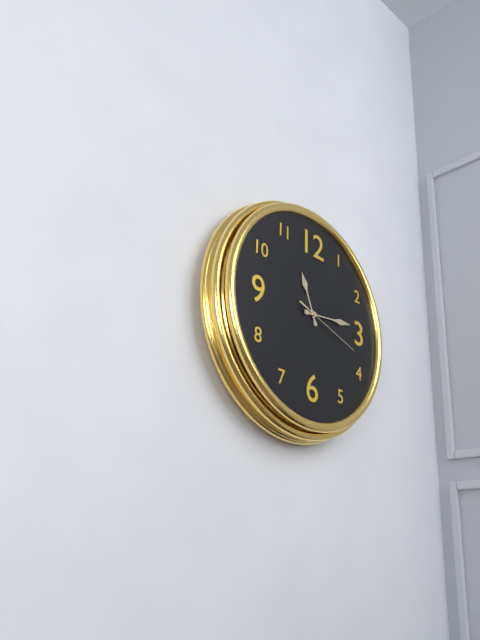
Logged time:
11h14m18s
